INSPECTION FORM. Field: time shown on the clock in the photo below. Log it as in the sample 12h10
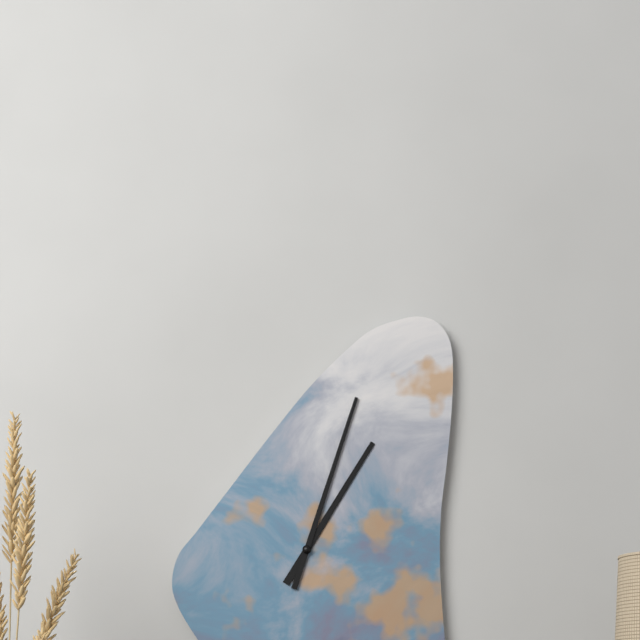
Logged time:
1h03
